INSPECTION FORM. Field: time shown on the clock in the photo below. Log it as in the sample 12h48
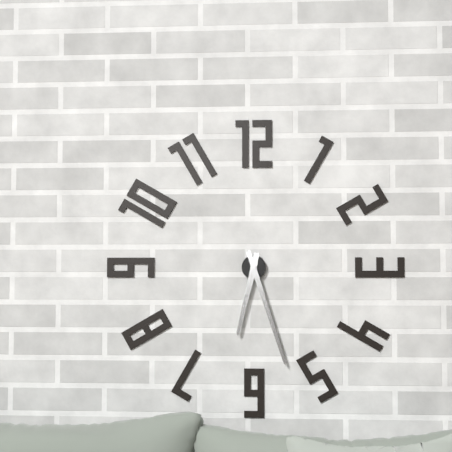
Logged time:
6h27
